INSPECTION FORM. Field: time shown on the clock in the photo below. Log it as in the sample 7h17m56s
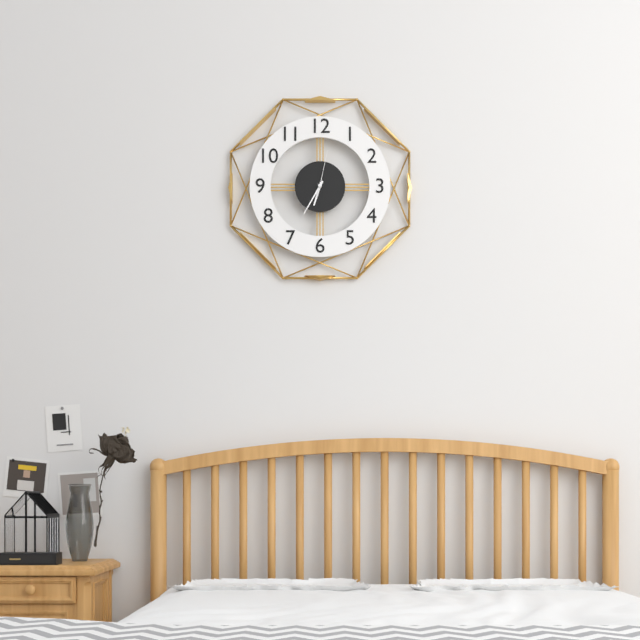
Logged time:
6h35m02s
